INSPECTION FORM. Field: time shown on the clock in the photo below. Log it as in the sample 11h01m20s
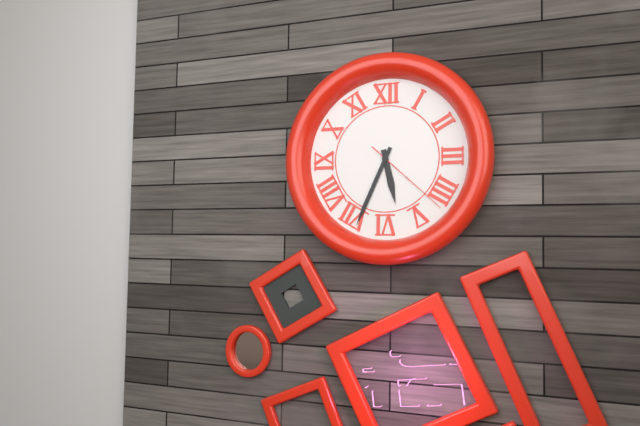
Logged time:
5h34m22s
